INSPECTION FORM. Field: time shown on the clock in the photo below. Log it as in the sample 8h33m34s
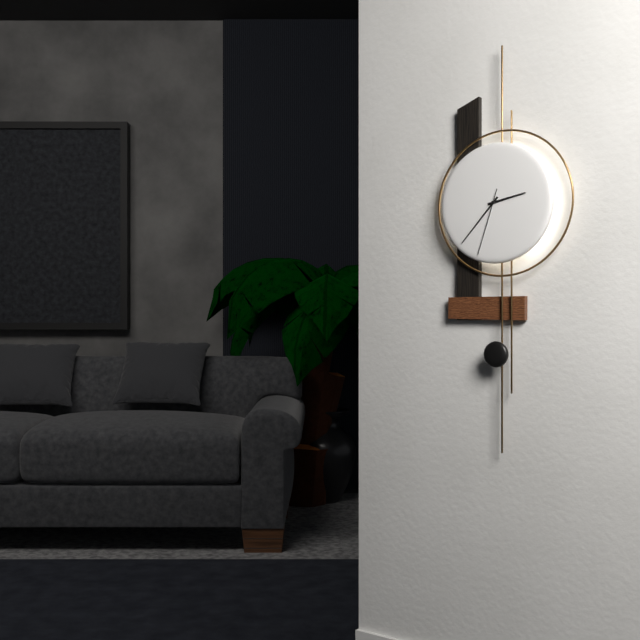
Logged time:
2h37m33s
